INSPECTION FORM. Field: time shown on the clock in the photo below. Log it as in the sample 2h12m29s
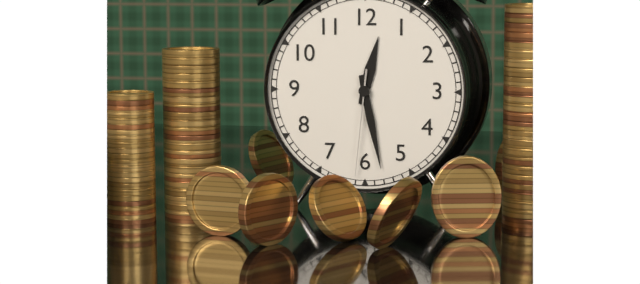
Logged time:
12h28m31s
